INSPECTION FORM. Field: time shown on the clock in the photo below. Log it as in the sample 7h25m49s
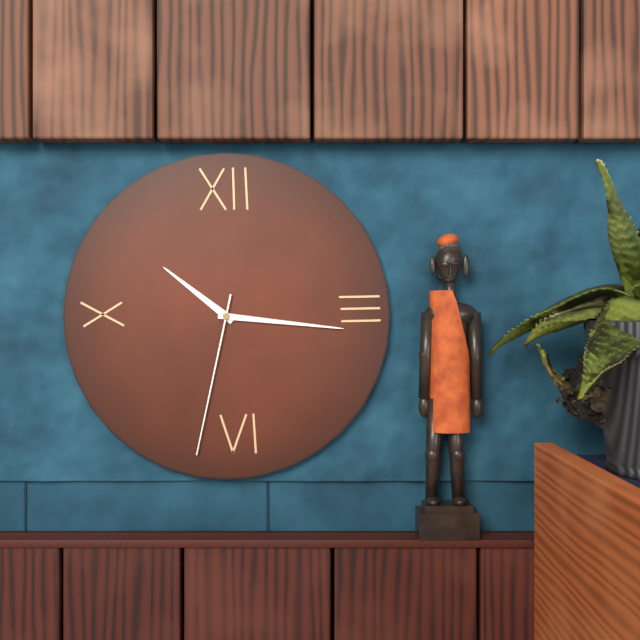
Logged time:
10h16m32s
